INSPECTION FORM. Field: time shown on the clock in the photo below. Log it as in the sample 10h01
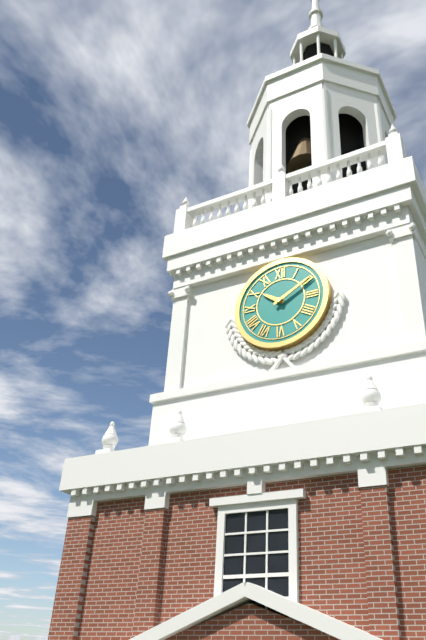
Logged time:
10h10
